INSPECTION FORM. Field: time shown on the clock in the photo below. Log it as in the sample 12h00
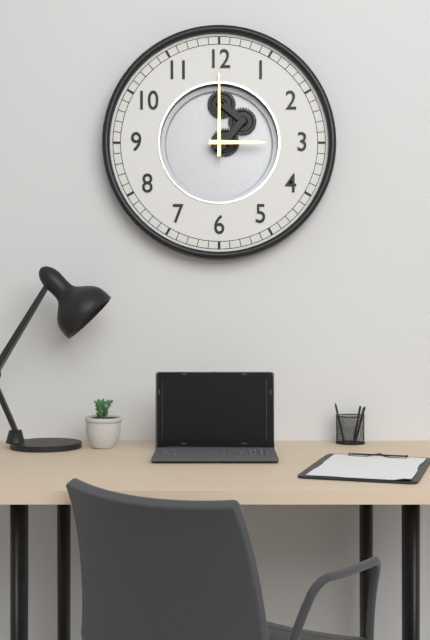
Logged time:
3h00
